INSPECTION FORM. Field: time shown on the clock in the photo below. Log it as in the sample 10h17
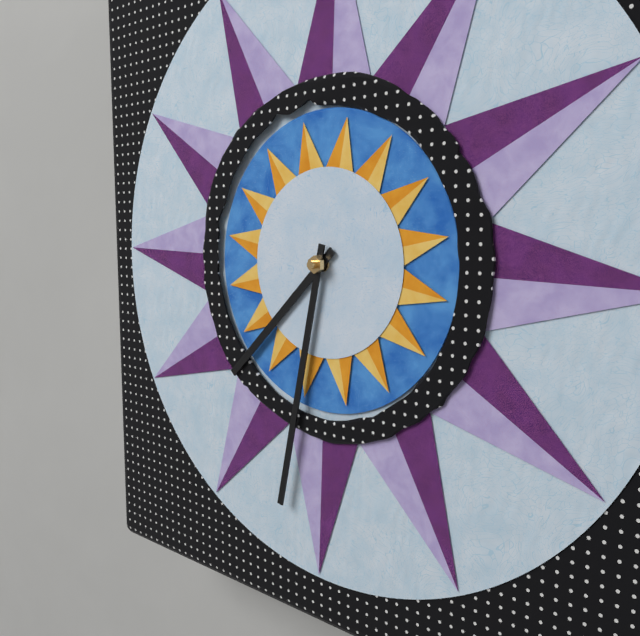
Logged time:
7h32
